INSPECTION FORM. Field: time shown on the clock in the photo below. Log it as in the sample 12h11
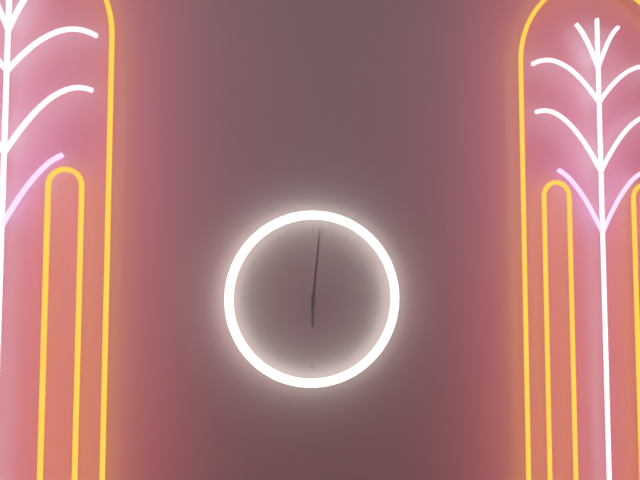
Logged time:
6h01
